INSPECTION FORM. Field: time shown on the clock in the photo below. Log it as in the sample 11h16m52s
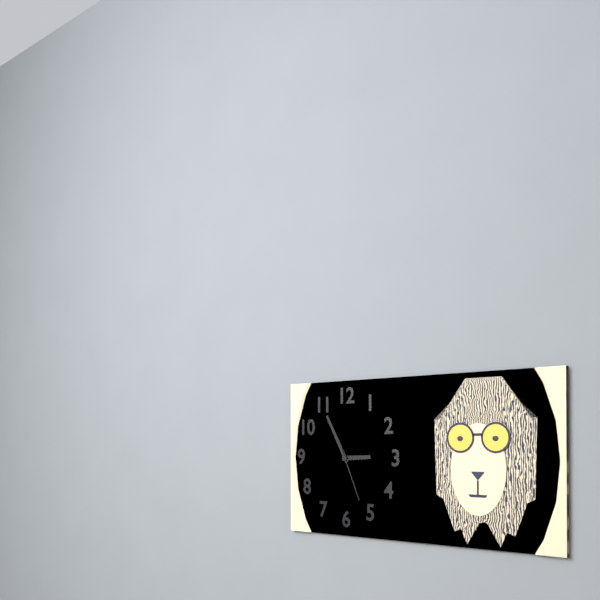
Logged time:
2h55m26s
